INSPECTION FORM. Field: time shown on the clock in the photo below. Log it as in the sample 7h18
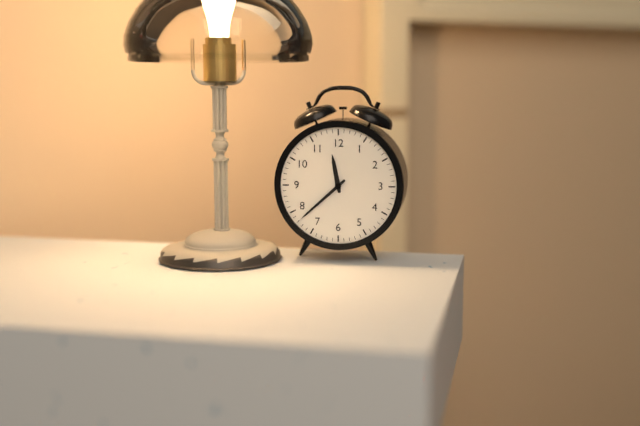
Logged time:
11h38
